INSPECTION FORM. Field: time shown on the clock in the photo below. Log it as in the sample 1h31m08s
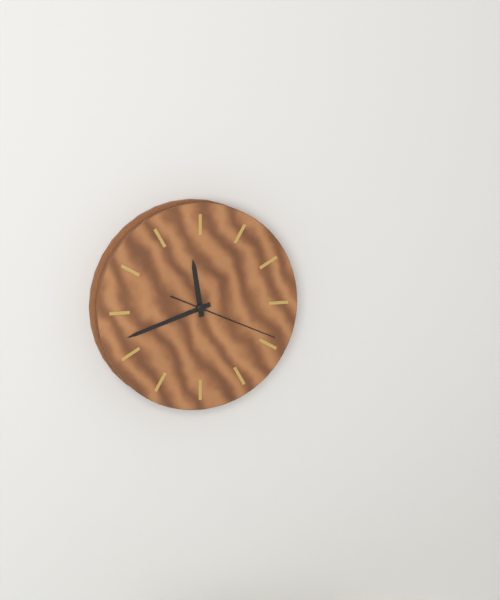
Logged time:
11h42m19s
